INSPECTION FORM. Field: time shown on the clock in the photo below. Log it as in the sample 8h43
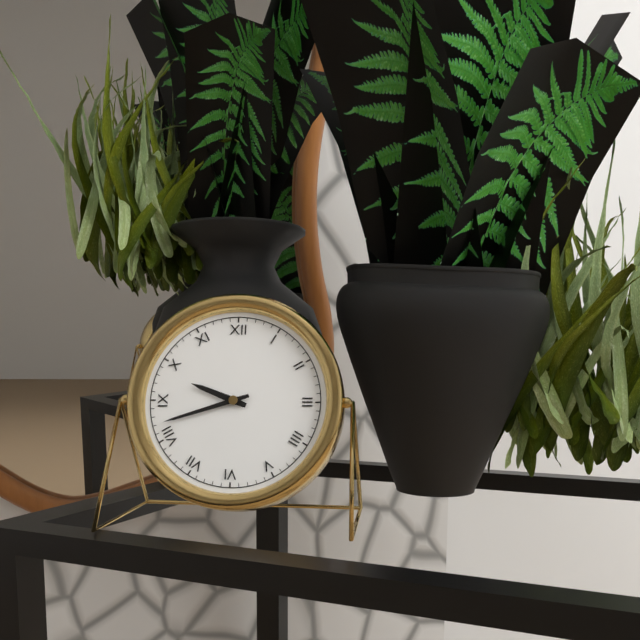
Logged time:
9h42
